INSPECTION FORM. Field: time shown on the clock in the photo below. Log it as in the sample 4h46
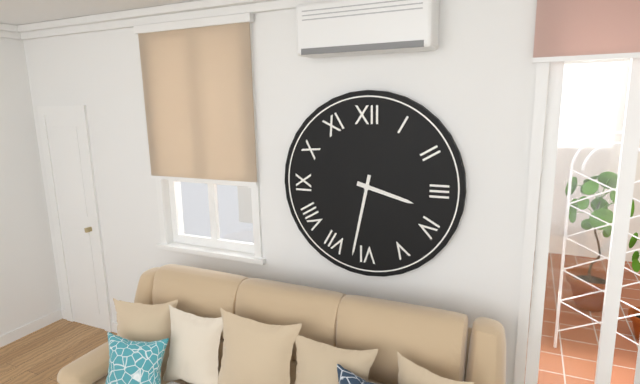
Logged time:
3h32
